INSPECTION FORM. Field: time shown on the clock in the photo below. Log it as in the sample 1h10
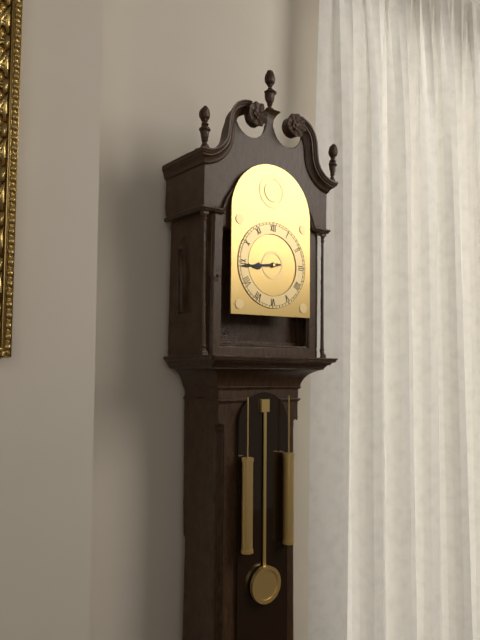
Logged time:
8h44
